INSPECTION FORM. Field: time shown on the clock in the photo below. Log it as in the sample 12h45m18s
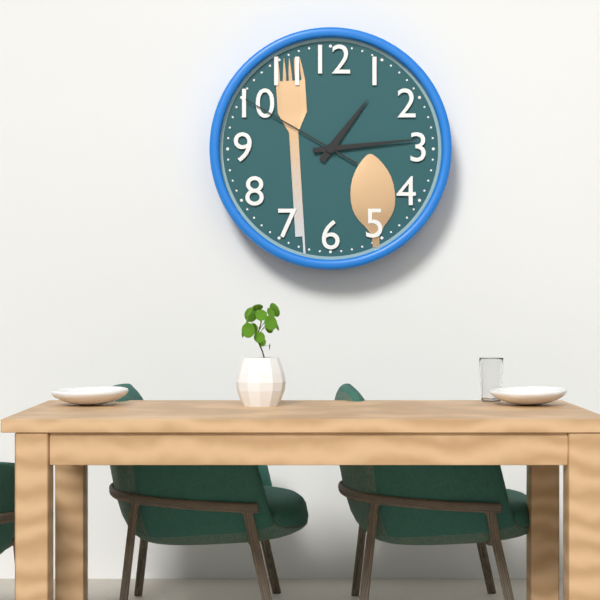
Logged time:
1h14m50s
